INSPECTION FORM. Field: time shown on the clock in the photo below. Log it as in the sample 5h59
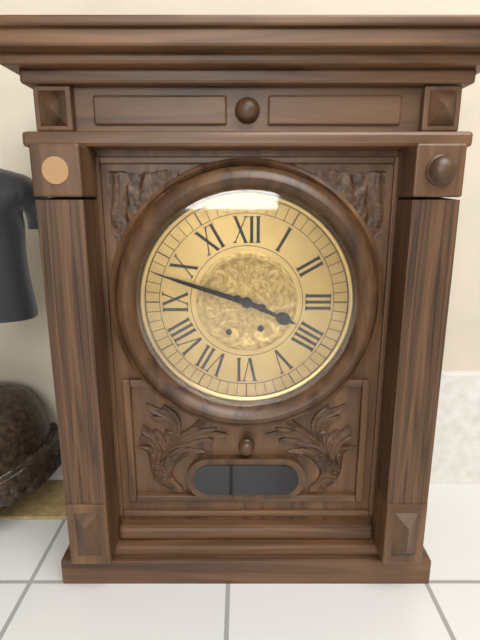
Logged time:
3h48
